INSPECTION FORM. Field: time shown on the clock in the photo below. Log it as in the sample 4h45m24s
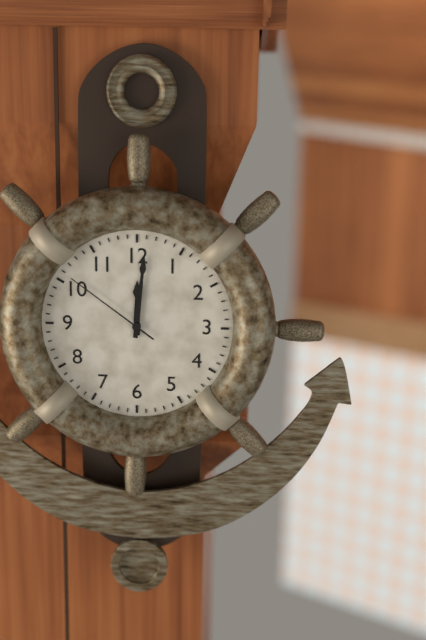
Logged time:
12h01m51s
